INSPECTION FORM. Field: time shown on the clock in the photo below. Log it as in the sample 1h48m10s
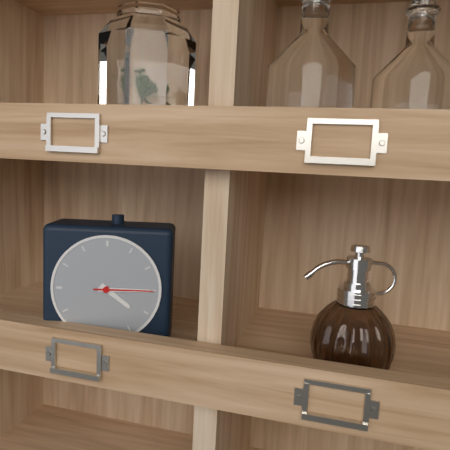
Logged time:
4h15m15s
